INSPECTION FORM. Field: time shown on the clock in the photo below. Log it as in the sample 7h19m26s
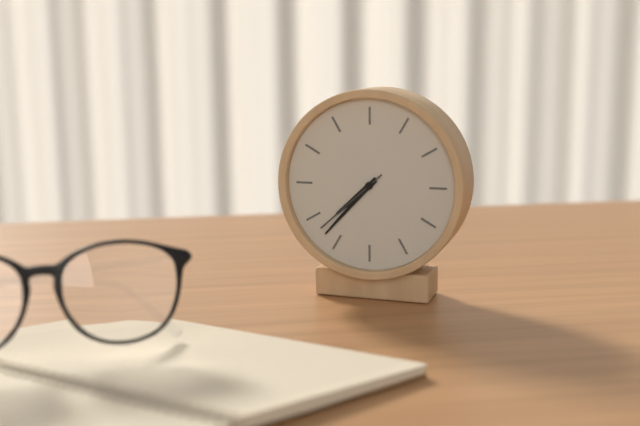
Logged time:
7h37m38s
